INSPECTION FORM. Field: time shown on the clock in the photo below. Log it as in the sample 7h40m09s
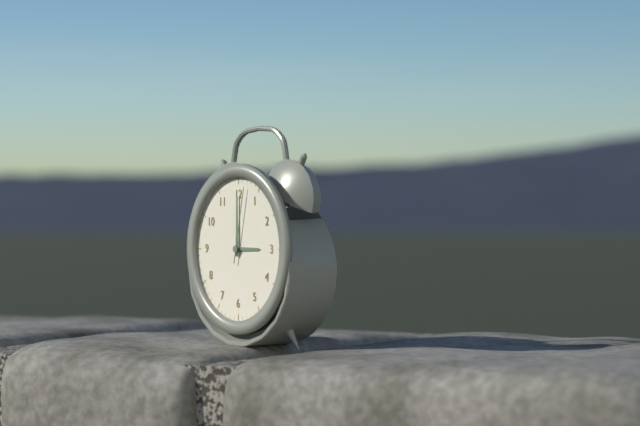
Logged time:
3h00m02s
